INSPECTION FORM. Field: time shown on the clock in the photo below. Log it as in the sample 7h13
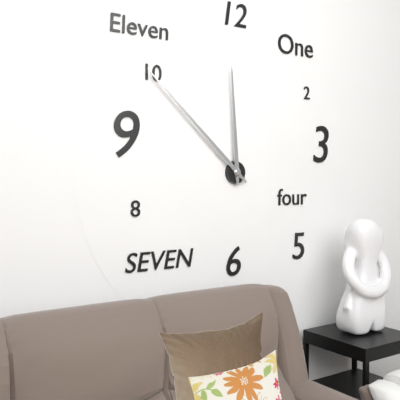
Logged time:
11h52
